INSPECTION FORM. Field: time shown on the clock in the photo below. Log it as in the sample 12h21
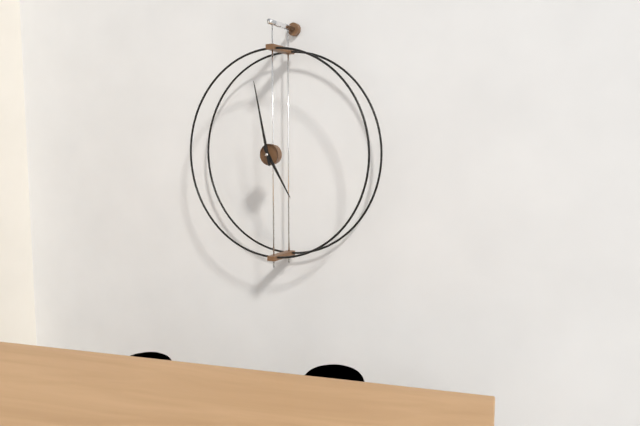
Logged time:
4h58
